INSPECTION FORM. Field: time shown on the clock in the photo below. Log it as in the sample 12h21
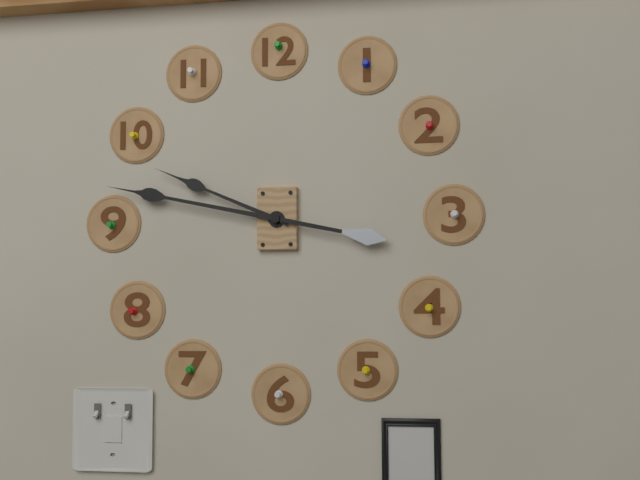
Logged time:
9h47
